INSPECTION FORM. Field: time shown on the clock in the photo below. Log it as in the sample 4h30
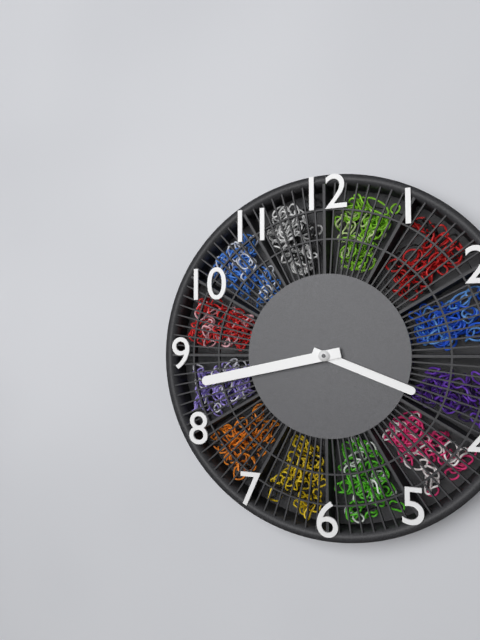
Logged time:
3h43
